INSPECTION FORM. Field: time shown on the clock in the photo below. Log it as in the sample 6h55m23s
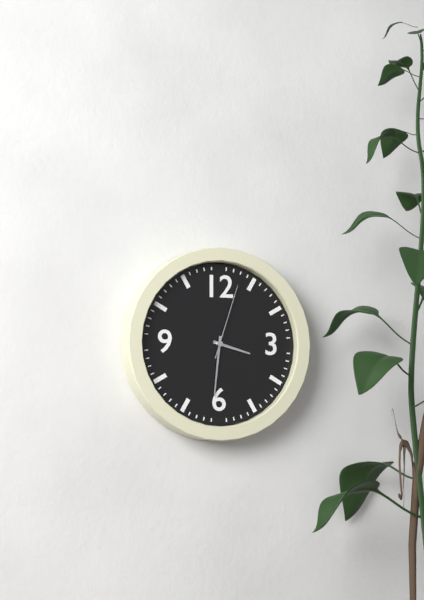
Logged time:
3h31m03s
